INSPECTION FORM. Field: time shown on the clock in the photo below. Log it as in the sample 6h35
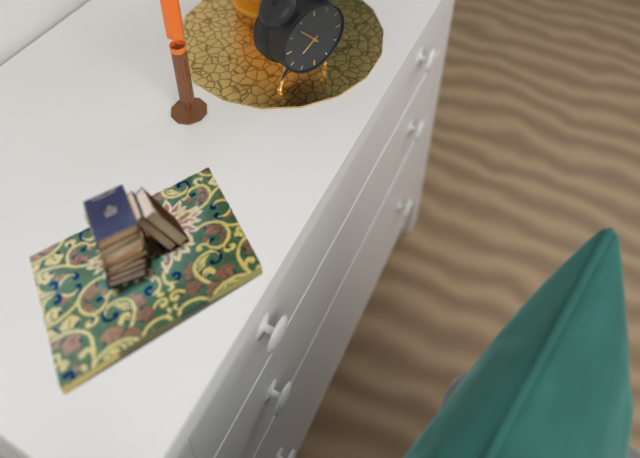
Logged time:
7h53
